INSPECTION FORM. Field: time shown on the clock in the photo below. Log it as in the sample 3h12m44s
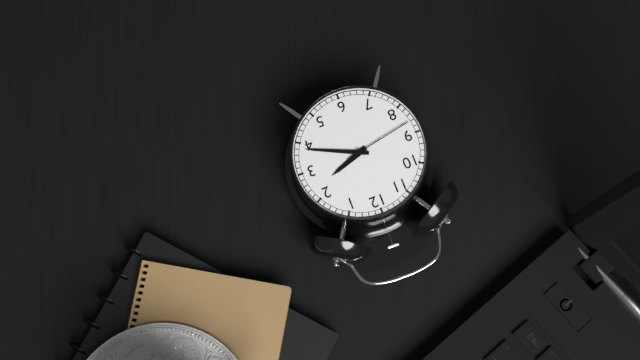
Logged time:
2h19m43s
